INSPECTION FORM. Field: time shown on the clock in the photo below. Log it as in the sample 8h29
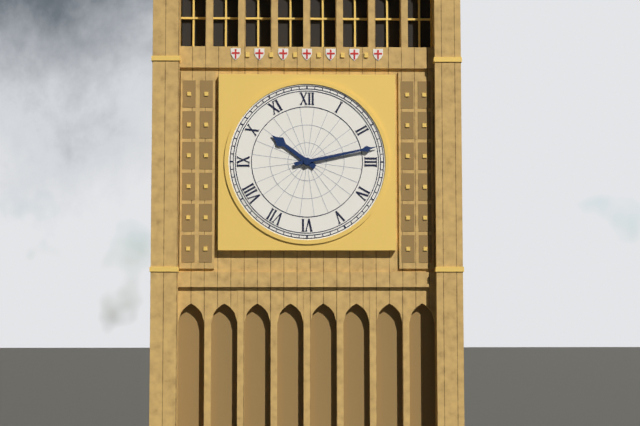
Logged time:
10h13
